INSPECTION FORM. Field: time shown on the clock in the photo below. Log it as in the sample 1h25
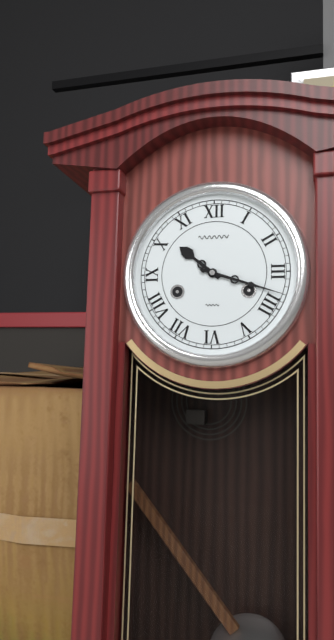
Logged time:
10h18
